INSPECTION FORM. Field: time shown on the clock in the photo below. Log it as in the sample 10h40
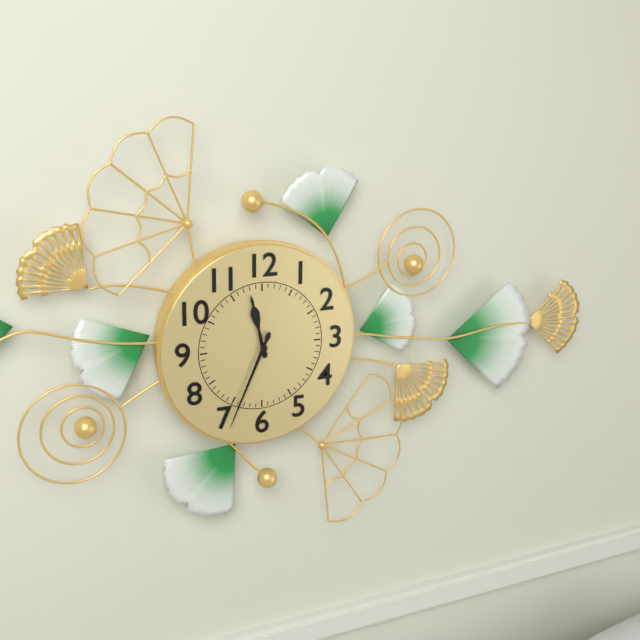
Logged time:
11h34
